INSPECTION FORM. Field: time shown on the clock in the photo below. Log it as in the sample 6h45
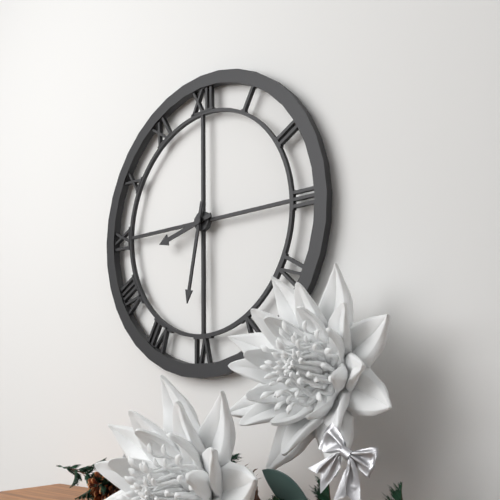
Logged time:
8h32
